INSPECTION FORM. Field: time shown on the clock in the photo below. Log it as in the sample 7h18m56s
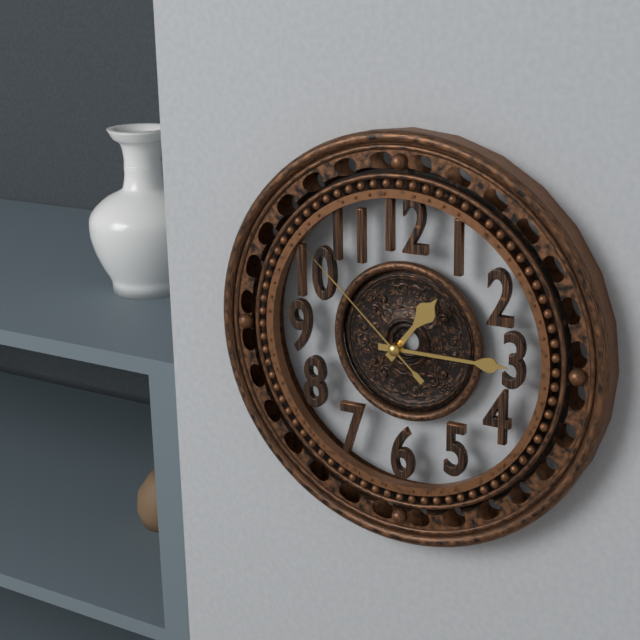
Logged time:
1h15m52s
